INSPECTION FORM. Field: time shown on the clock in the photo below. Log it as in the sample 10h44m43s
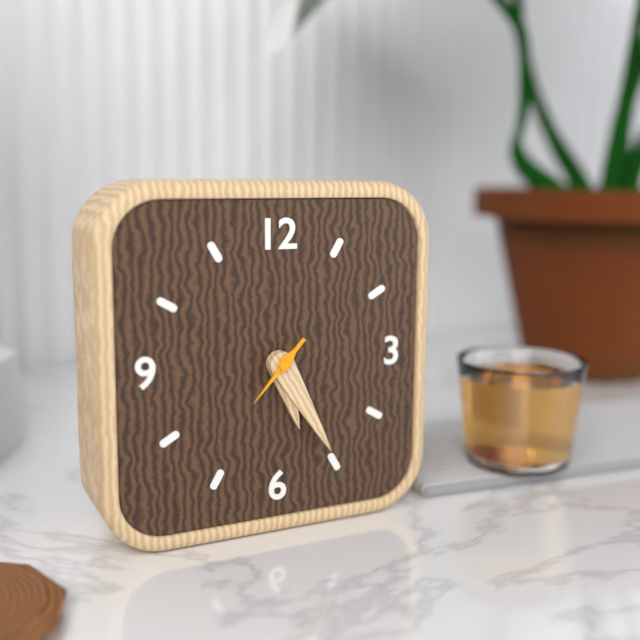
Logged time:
5h25m37s
